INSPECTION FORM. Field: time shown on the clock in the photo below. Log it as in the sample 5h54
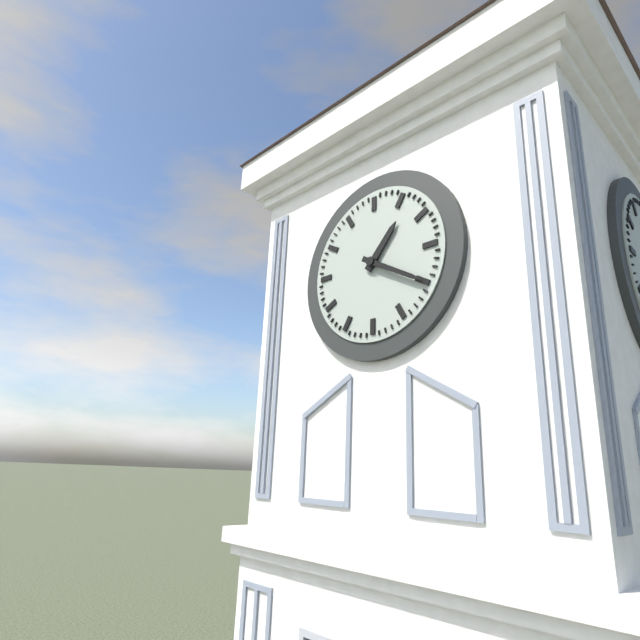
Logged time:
1h20
